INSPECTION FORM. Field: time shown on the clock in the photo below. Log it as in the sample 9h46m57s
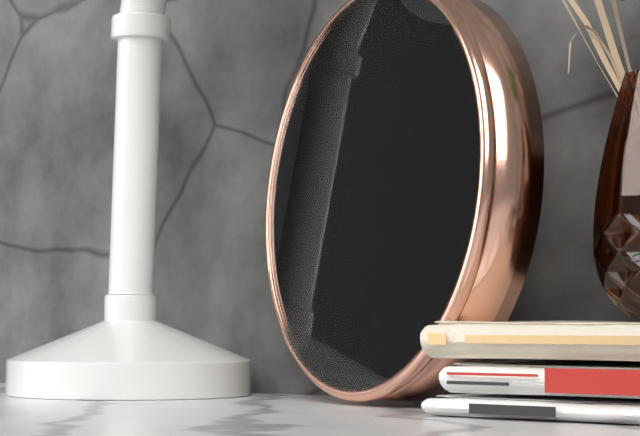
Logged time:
4h14m56s
